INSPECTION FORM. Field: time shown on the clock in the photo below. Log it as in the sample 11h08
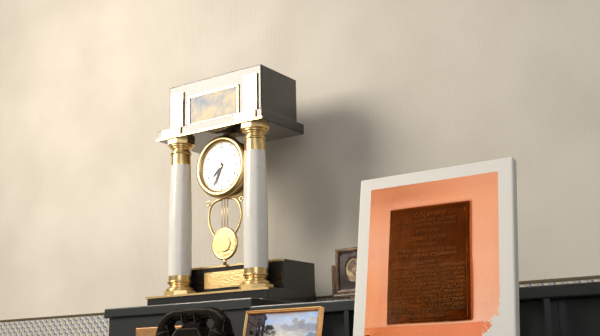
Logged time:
7h34
